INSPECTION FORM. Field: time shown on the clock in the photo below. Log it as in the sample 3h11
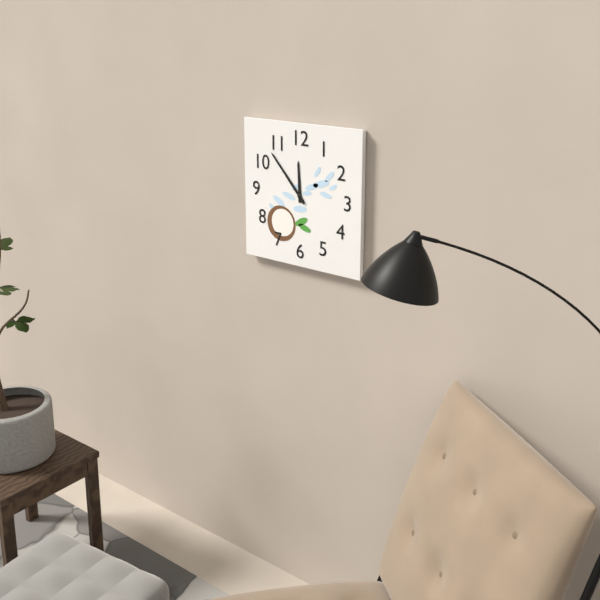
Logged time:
11h53
